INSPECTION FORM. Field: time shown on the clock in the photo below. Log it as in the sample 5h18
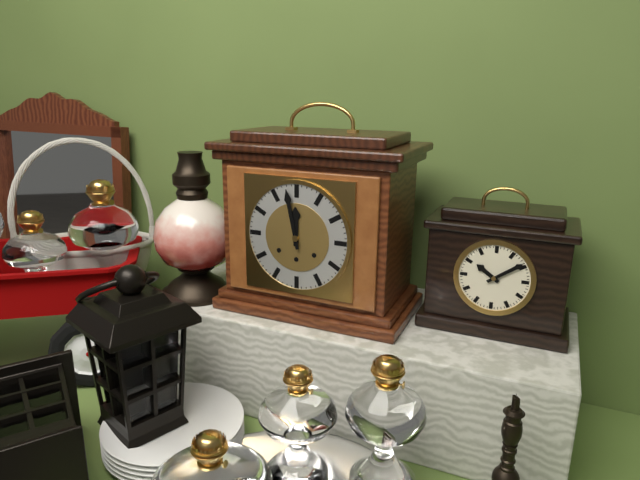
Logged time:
11h58
